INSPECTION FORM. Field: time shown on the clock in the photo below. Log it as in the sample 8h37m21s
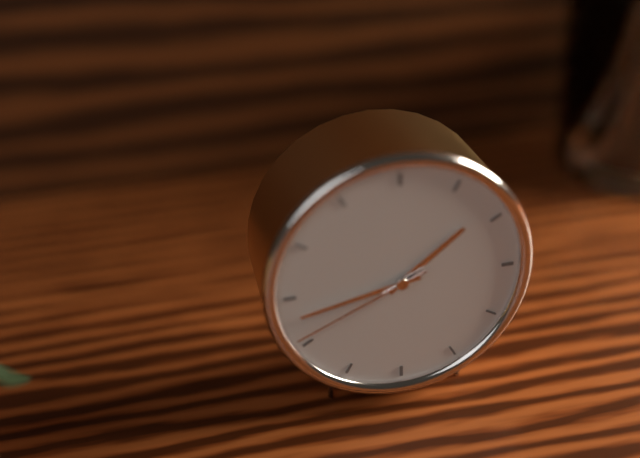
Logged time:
1h43m41s
